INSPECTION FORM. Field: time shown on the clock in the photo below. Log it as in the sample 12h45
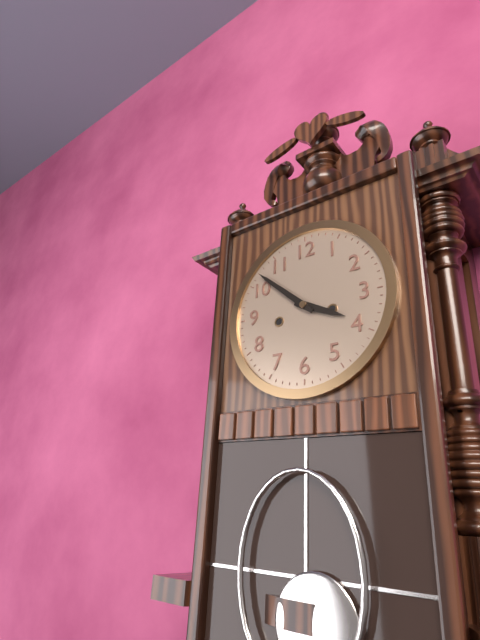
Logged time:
3h52
